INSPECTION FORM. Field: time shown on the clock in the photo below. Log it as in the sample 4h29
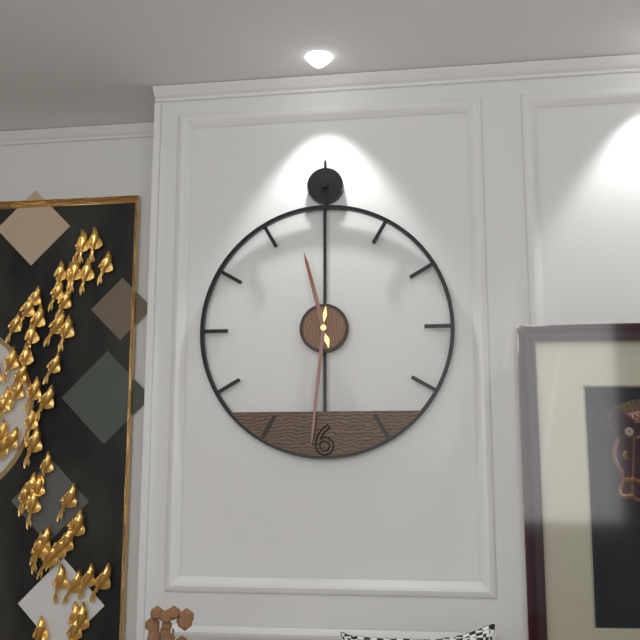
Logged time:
11h31
